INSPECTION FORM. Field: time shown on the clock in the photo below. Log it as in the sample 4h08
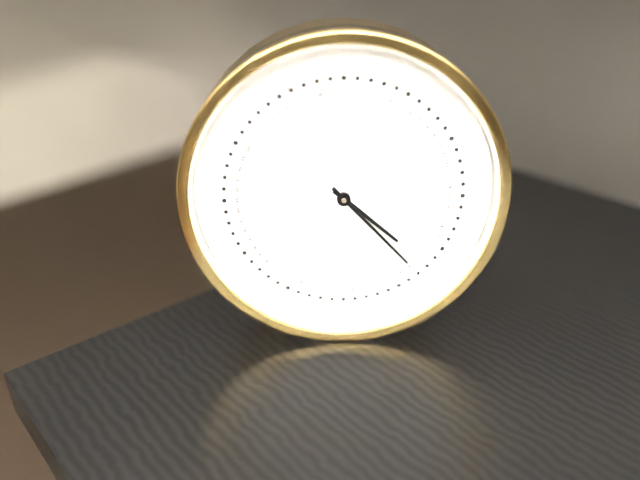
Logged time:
4h23
